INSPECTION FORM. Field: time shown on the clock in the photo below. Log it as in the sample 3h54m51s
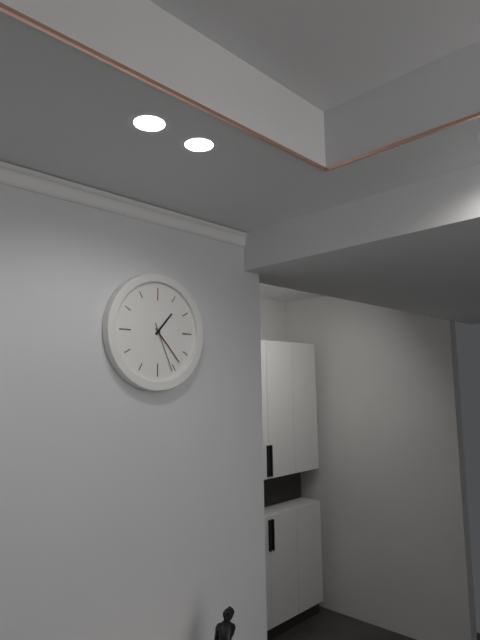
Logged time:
1h23m26s
